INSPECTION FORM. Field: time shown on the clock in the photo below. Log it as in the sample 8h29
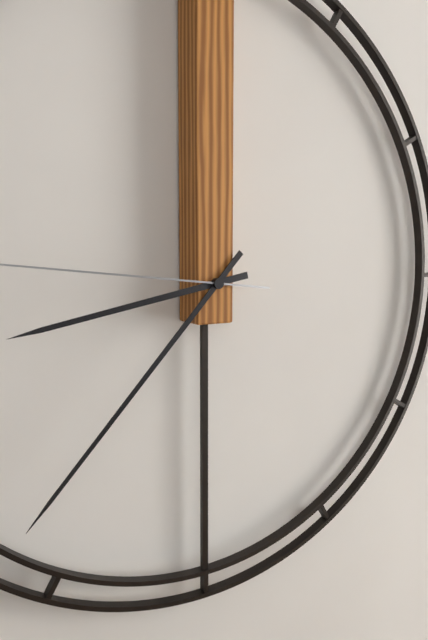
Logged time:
8h37
